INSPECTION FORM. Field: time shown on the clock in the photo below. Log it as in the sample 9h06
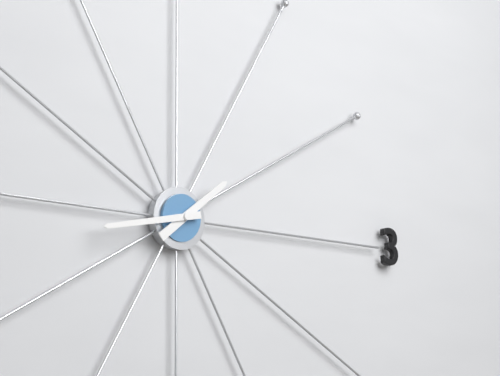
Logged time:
1h43
